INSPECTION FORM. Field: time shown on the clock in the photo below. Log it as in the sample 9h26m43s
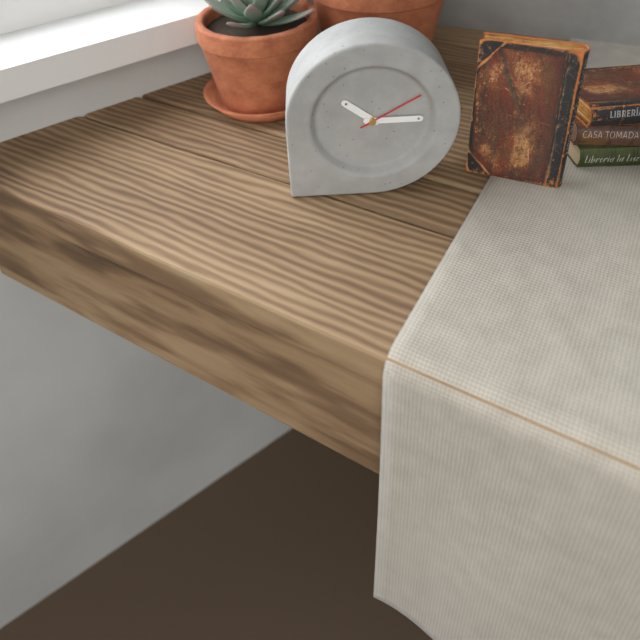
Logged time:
10h15m10s
